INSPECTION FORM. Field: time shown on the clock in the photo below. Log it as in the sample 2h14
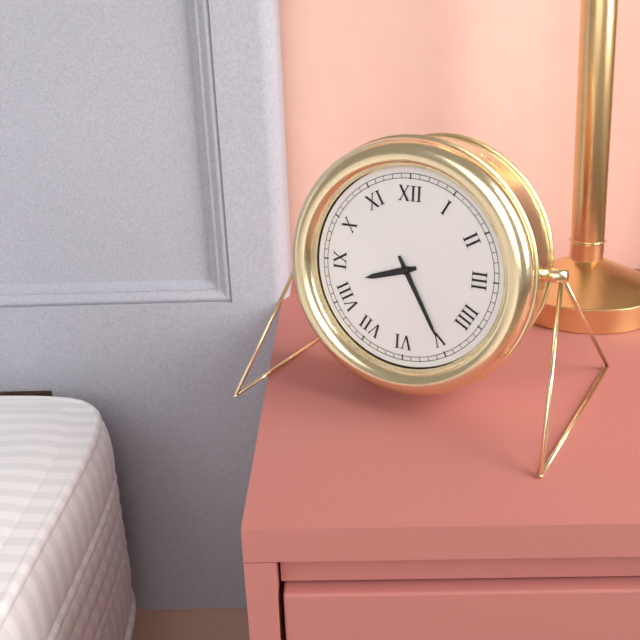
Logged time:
8h25
